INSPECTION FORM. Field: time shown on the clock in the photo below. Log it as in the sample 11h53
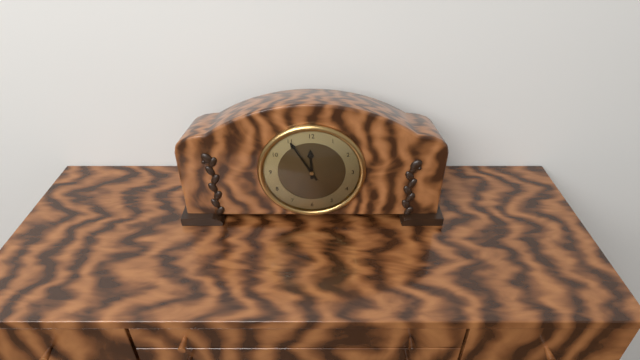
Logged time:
11h55
